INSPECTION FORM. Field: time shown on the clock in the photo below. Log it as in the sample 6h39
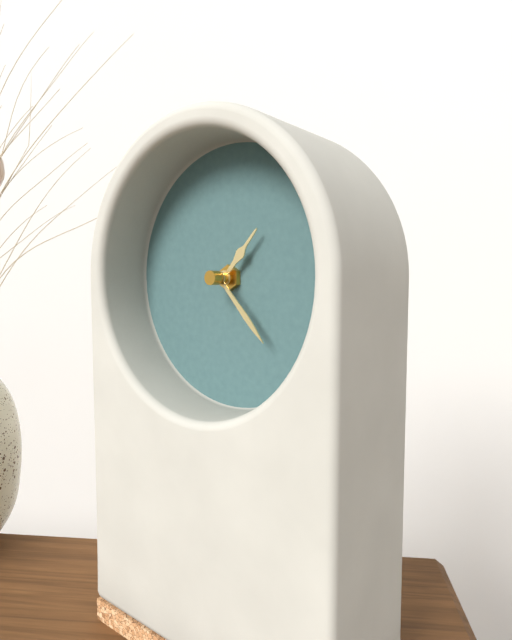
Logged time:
1h23
